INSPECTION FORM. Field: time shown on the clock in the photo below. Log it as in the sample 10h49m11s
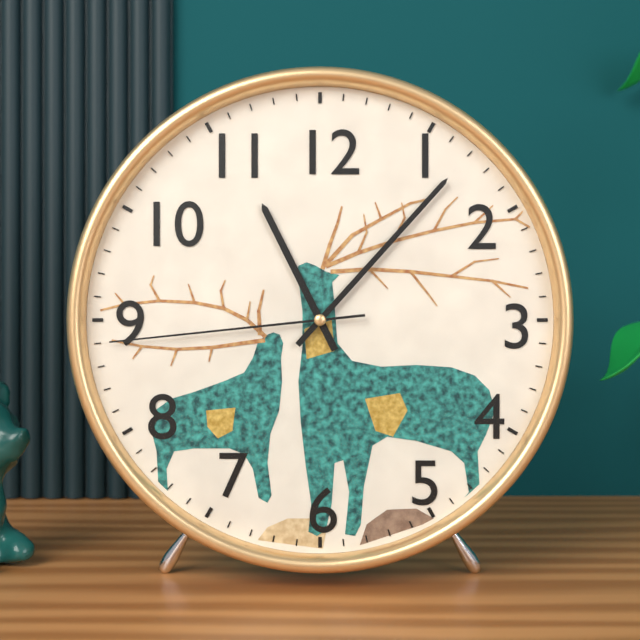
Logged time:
11h07m44s
